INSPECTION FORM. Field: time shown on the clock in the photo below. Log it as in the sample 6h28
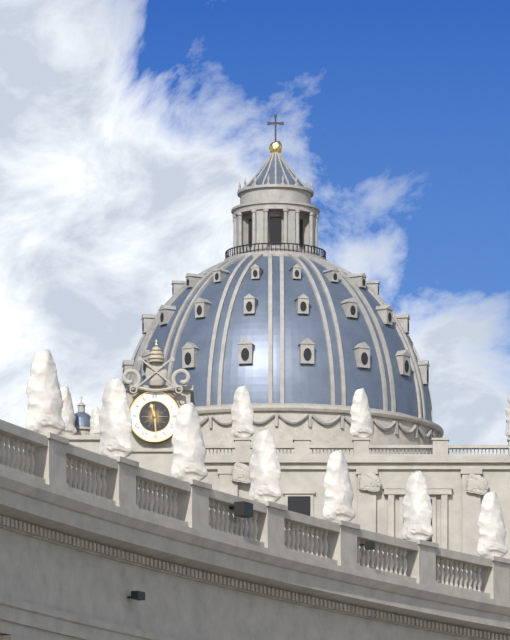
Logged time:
11h29
